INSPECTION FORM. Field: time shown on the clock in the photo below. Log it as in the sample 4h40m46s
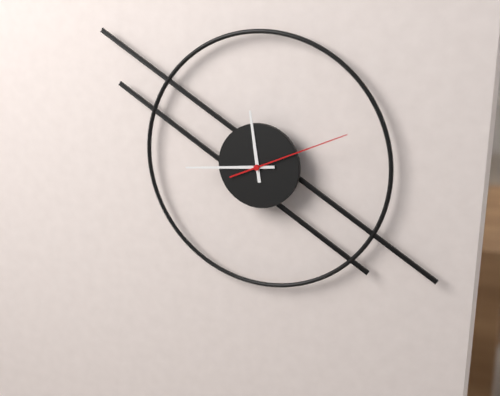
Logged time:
11h44m11s
